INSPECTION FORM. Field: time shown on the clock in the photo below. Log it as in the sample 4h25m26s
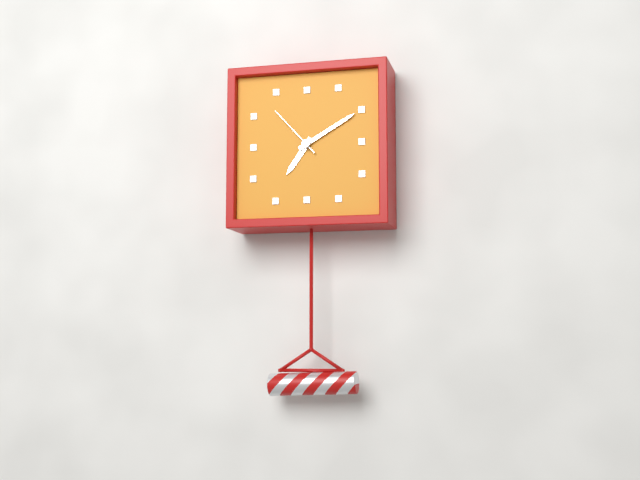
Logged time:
7h10m53s
